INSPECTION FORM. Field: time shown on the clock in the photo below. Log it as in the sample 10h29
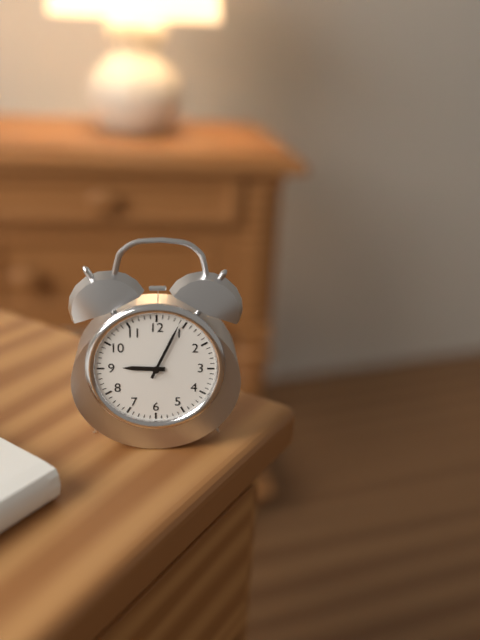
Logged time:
9h04
